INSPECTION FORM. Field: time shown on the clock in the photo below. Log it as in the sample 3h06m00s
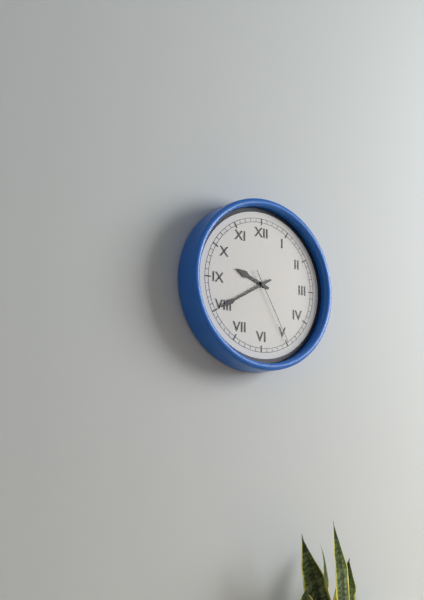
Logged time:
9h40m25s
